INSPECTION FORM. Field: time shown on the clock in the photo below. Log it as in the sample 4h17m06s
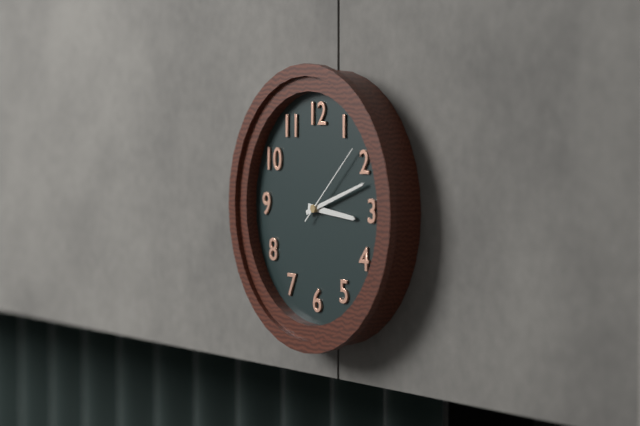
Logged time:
3h12m08s
